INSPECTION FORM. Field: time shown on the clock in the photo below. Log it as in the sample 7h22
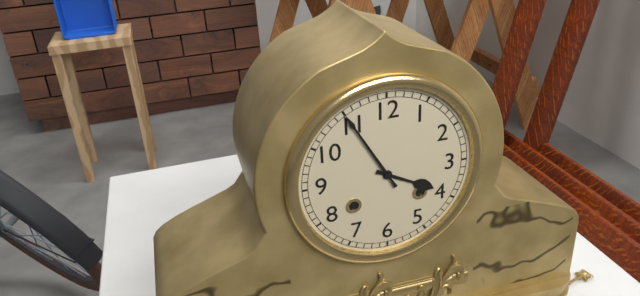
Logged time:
3h55
